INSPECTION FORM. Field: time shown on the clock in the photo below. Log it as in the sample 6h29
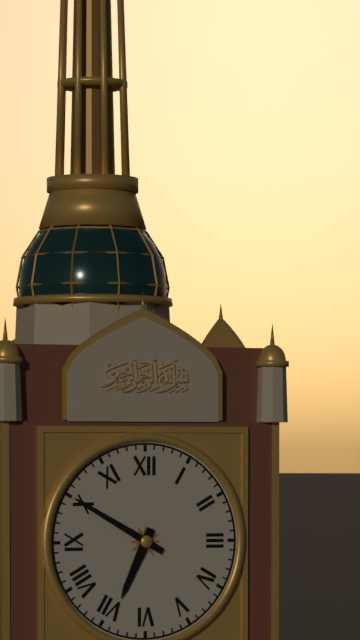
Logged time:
6h50
